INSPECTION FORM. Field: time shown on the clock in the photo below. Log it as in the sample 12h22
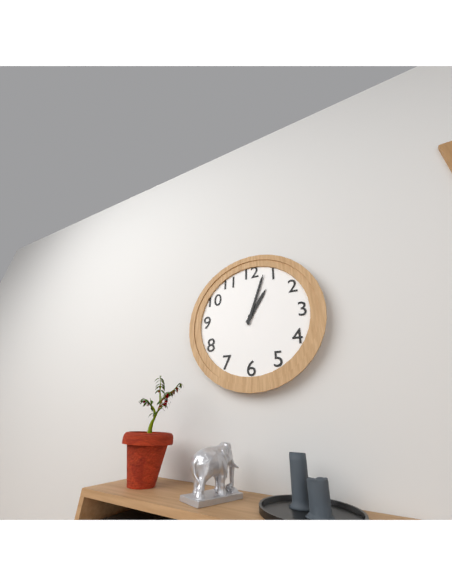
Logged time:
1h03
